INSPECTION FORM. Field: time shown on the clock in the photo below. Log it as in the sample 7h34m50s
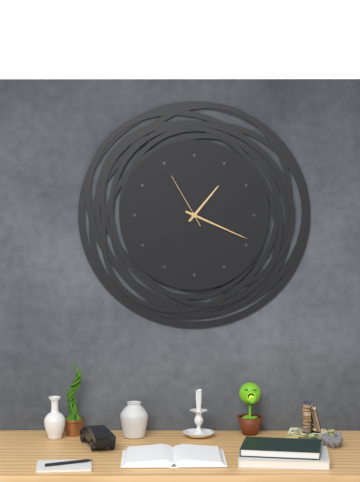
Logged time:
1h19m55s
